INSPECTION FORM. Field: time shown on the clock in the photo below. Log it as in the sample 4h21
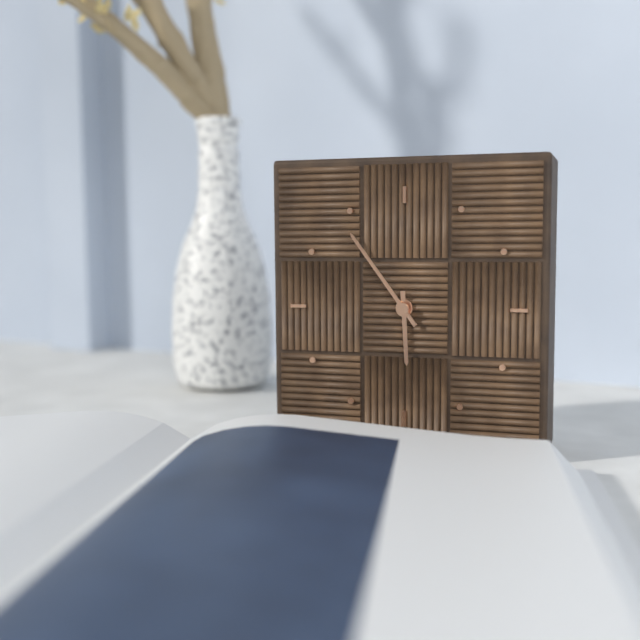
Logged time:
5h54
